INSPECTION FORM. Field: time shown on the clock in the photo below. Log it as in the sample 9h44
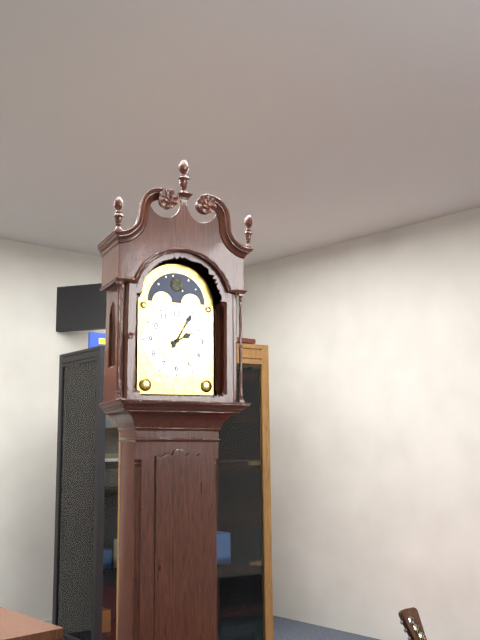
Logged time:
2h05
